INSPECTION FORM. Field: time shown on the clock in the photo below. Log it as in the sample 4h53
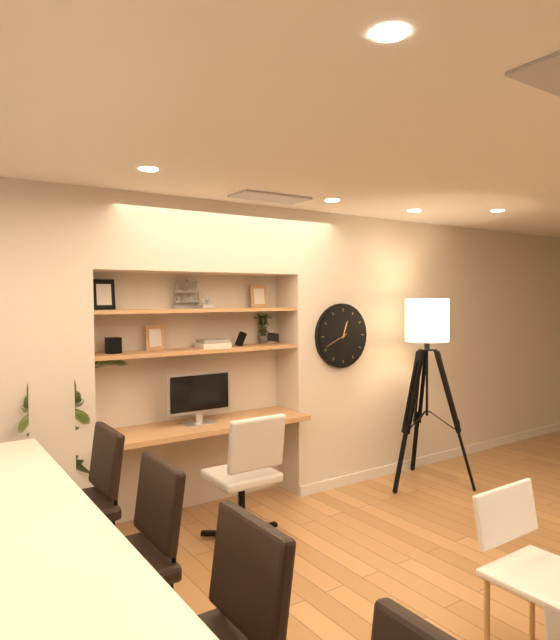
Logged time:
12h41
